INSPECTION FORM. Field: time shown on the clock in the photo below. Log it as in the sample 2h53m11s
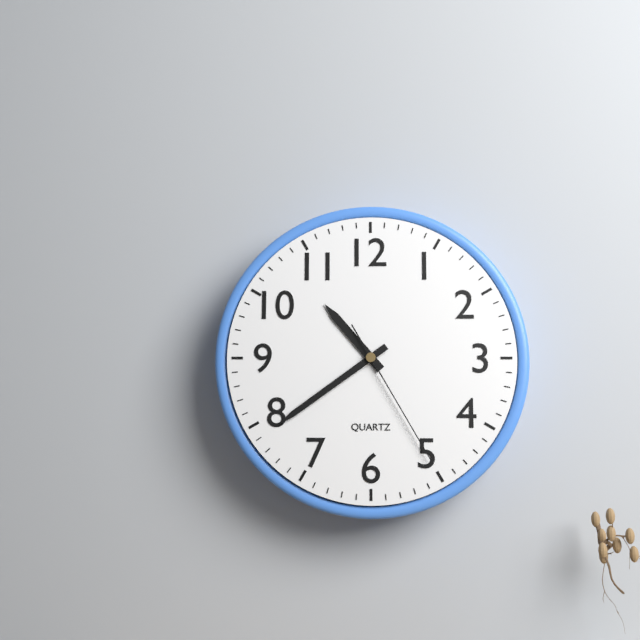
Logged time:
10h39m25s
